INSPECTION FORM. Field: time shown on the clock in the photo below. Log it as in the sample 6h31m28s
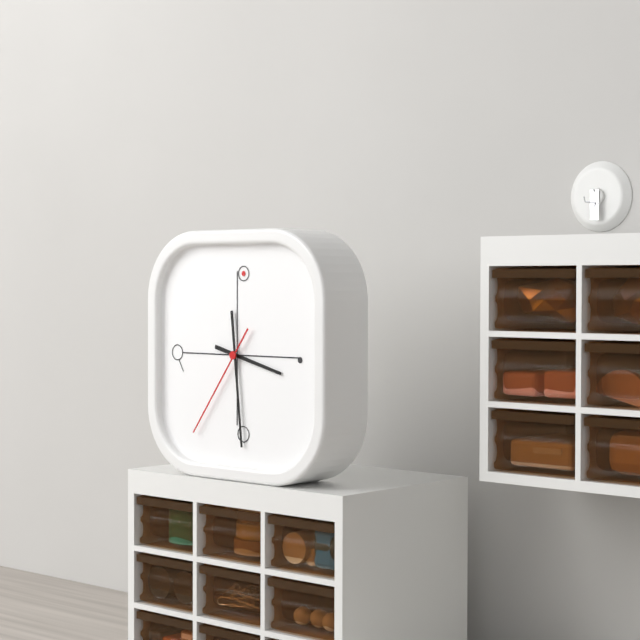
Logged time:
3h29m36s
